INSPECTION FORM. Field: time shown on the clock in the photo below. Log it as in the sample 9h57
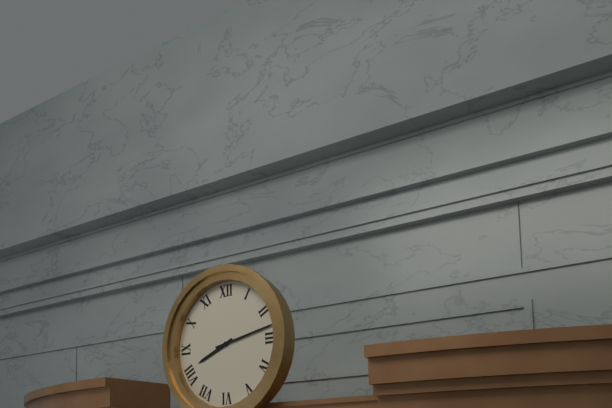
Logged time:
8h13
